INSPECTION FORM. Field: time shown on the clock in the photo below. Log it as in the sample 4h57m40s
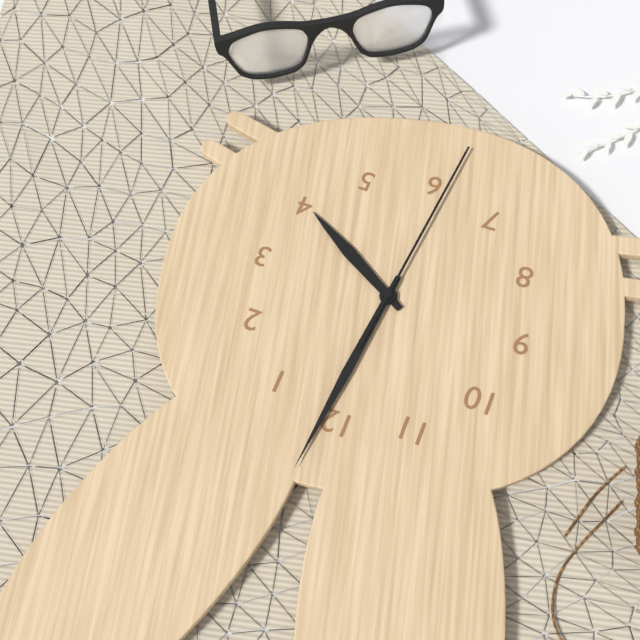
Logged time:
4h01m31s
